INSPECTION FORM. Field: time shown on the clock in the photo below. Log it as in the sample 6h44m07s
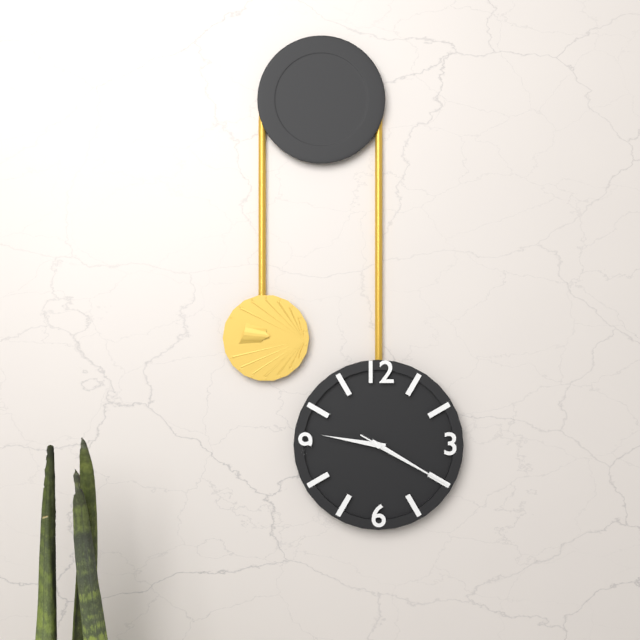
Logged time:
9h20m20s
